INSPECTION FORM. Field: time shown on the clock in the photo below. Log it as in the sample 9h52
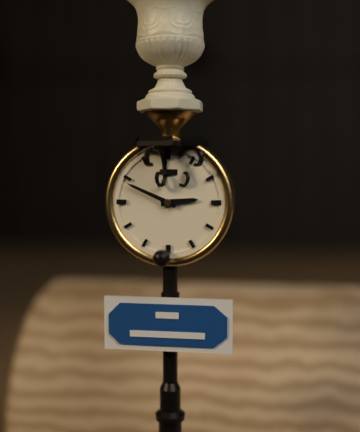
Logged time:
2h49
